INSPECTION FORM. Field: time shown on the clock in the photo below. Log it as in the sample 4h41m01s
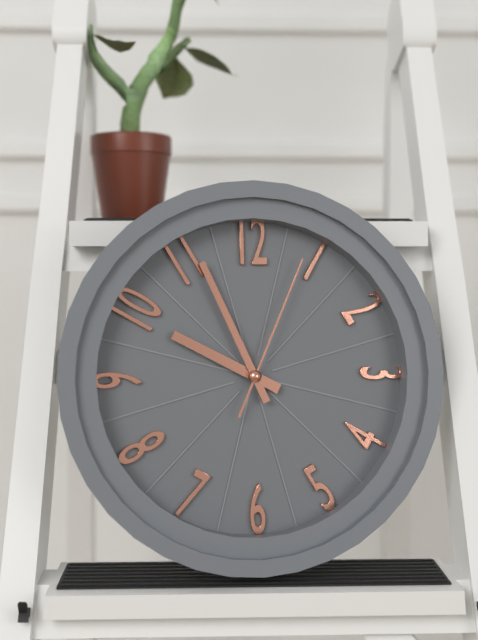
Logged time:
9h56m04s
